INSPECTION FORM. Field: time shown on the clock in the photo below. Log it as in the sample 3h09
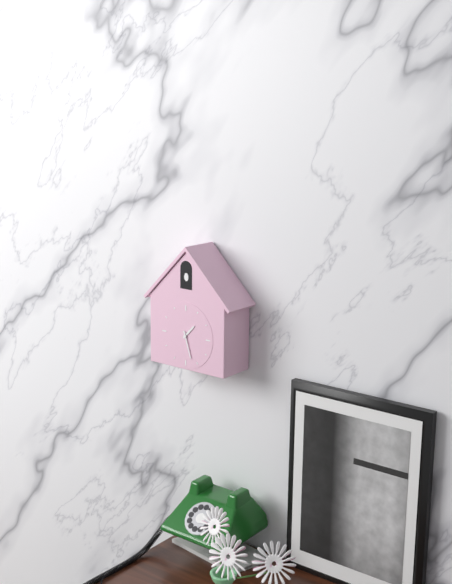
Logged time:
1h27
